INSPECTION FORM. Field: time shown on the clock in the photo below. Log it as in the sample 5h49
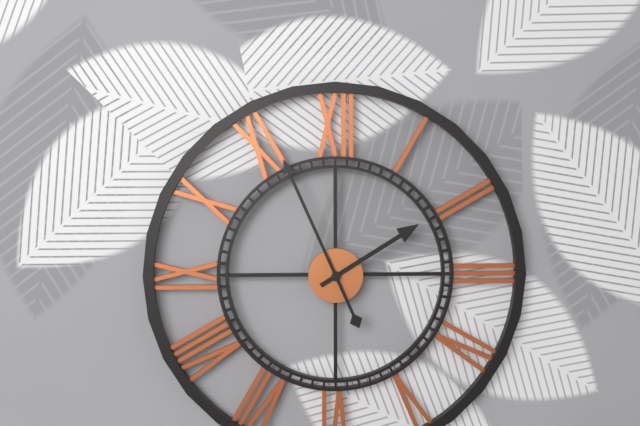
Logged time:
1h56
